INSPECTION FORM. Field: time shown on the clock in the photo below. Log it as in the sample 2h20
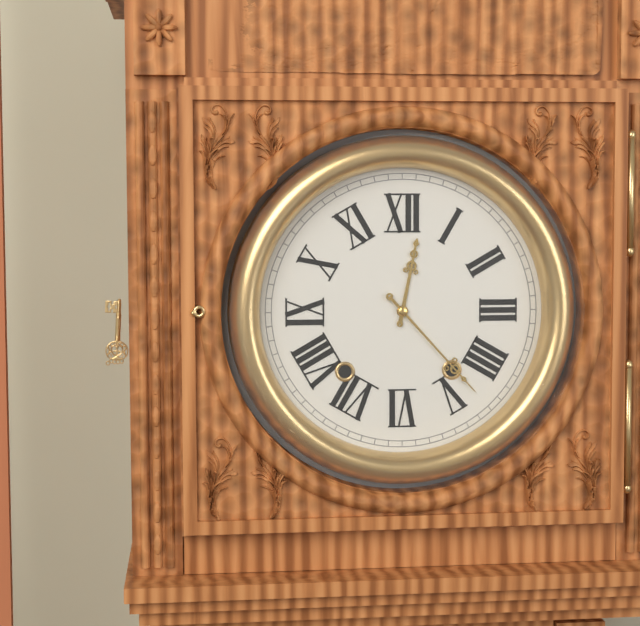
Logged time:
12h23
